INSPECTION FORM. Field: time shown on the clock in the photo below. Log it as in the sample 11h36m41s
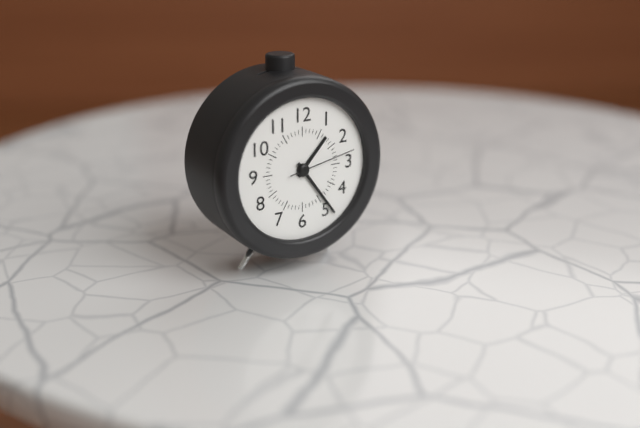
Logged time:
1h24m13s
